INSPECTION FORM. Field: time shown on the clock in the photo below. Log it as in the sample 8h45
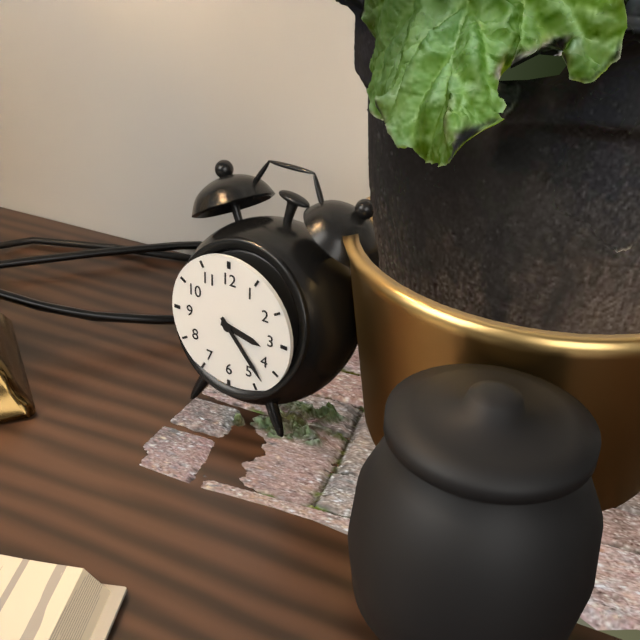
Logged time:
3h23
